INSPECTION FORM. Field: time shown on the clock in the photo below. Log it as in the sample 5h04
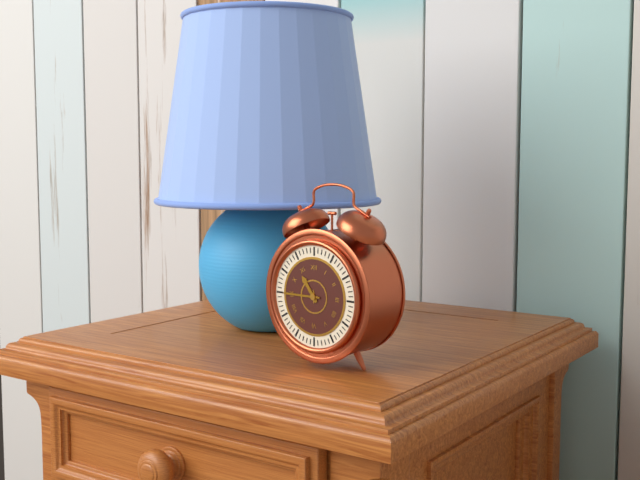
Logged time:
10h45
